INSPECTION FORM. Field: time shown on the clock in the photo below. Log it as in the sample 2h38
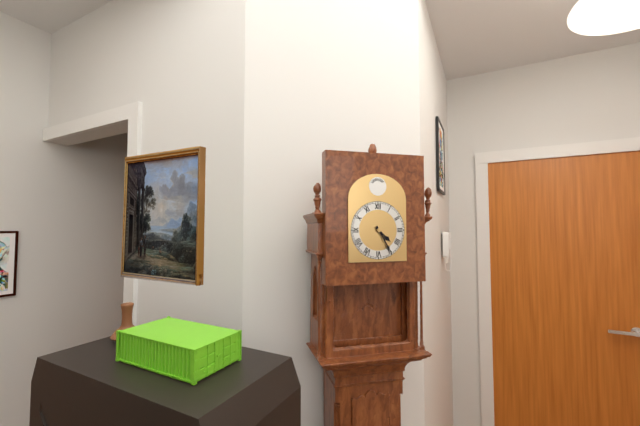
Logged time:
4h25
